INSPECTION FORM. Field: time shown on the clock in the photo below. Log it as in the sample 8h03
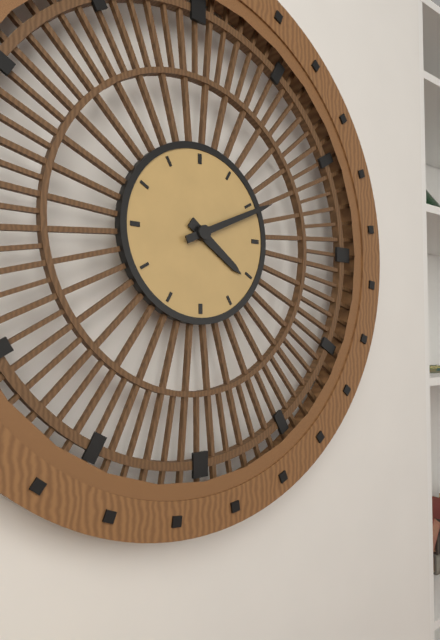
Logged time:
4h11
